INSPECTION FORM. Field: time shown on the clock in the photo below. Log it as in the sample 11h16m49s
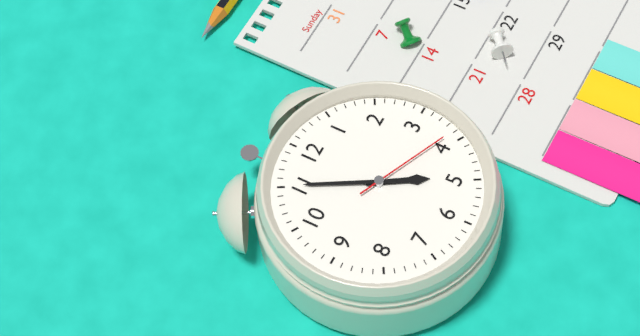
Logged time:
4h55m19s
